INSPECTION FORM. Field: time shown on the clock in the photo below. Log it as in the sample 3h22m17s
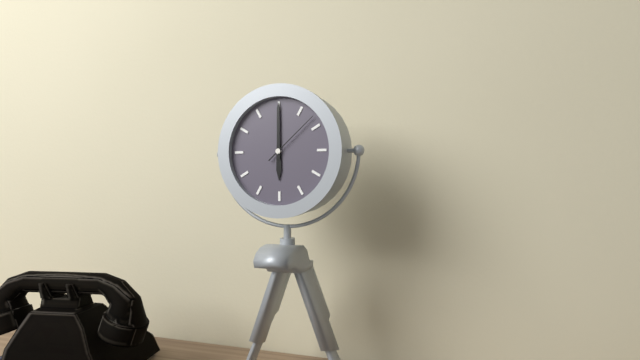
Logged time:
6h00m08s
